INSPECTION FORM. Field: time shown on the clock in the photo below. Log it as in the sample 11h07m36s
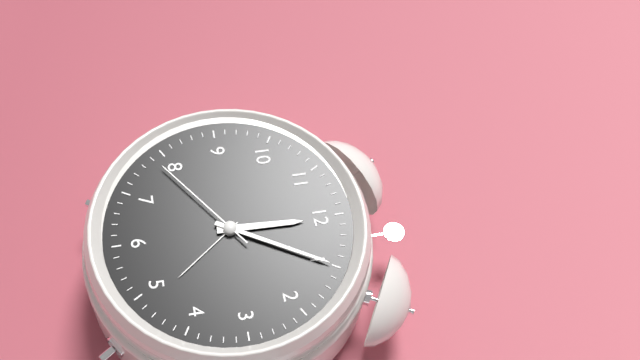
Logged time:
12h05m39s
